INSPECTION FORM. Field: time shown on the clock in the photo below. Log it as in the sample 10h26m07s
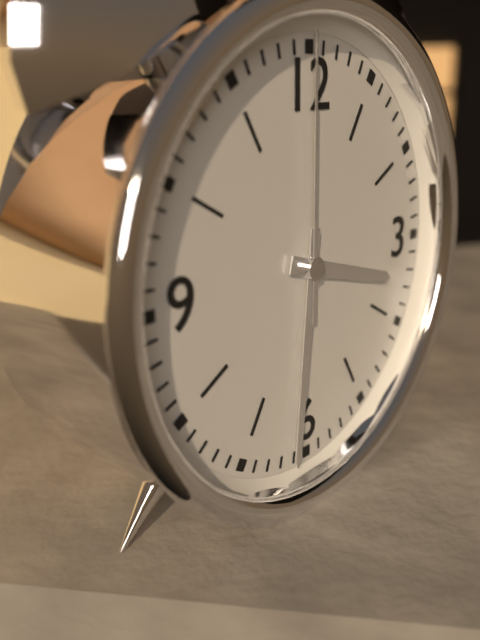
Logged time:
3h31m00s
